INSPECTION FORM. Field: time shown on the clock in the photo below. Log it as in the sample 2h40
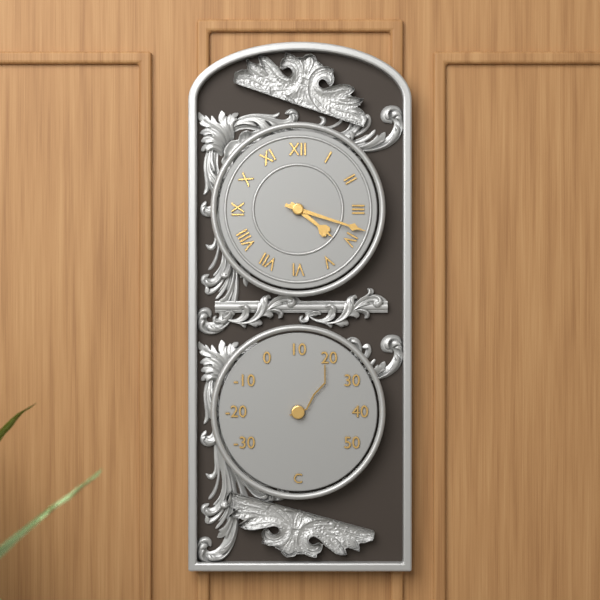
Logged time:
4h18
